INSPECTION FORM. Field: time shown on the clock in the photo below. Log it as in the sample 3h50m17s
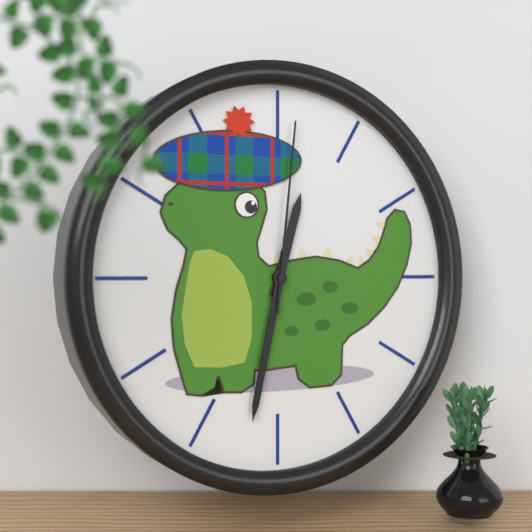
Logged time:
12h32m01s
